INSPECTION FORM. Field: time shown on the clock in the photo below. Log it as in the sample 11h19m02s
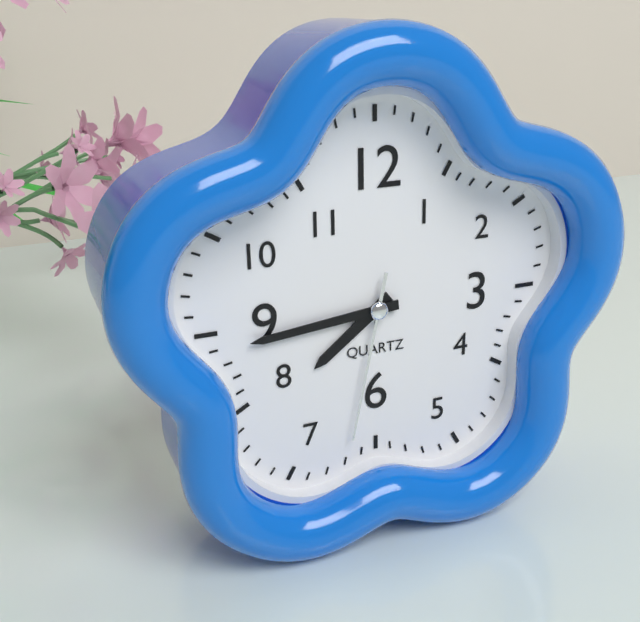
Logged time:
7h44m32s
